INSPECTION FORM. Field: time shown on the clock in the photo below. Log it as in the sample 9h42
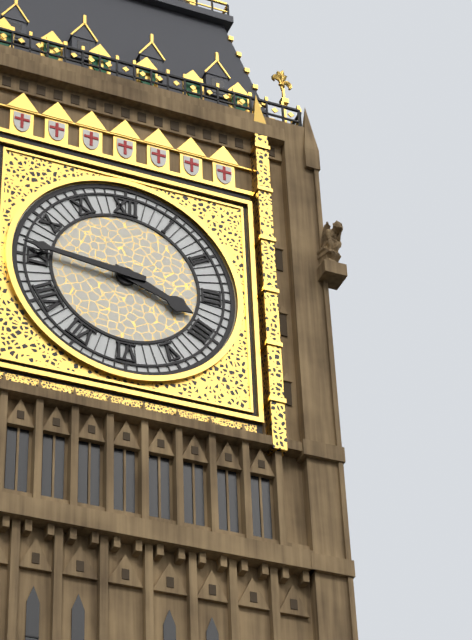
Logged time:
3h46
